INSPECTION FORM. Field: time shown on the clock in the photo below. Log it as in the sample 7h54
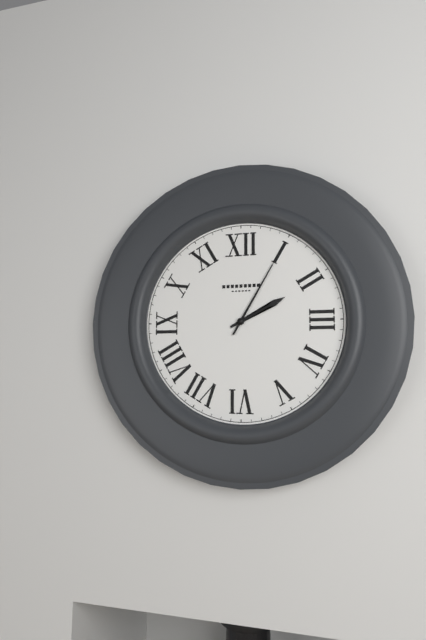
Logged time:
2h05
